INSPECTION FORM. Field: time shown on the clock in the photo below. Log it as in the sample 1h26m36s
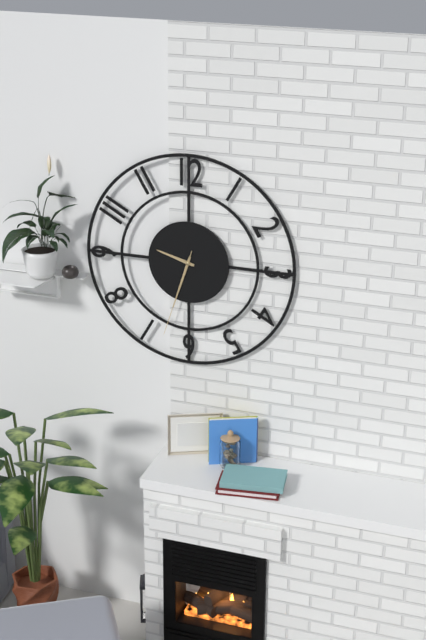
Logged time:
9h33m33s
